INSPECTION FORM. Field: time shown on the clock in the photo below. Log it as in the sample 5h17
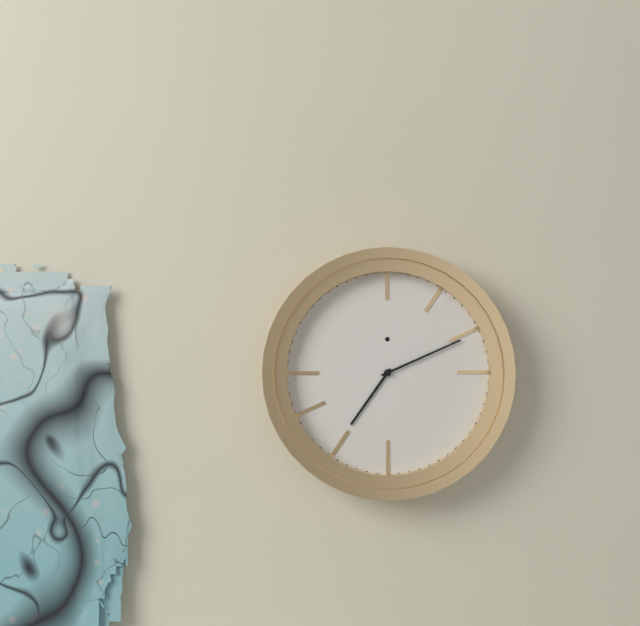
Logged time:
7h11
